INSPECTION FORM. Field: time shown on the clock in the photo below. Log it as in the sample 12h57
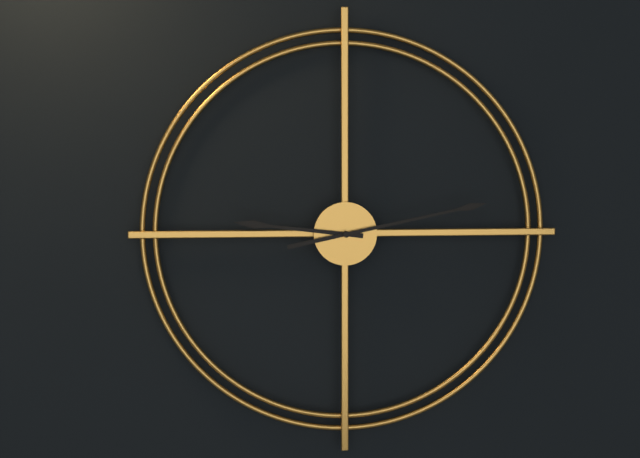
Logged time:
9h13
